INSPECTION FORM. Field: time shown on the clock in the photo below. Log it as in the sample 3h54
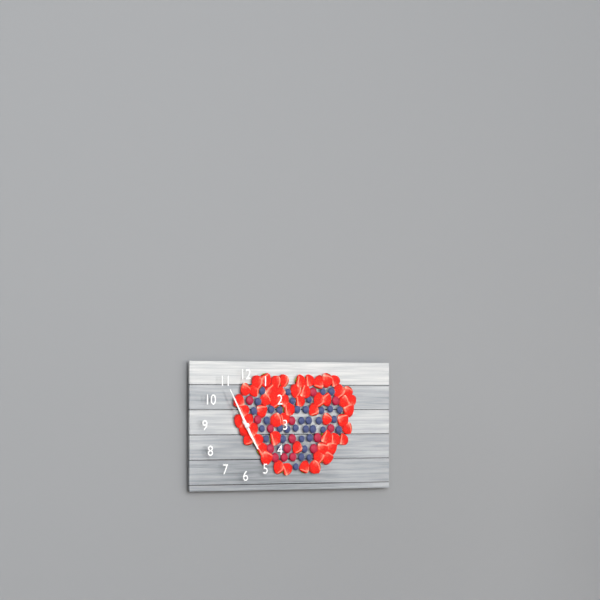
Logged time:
4h55
